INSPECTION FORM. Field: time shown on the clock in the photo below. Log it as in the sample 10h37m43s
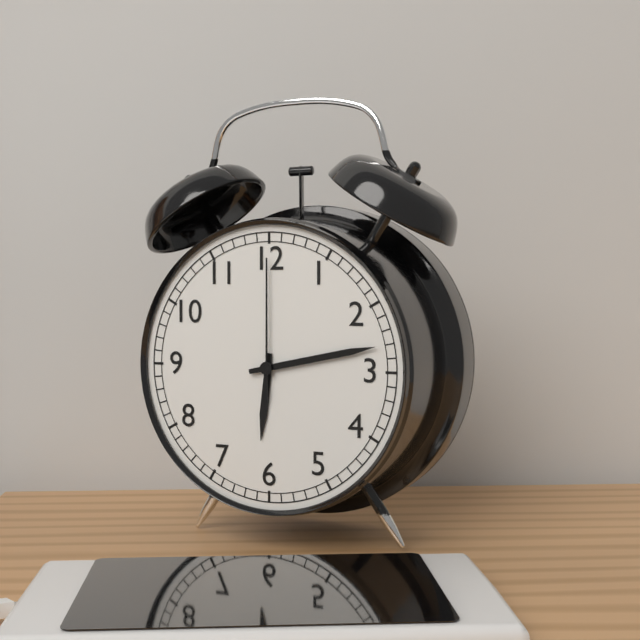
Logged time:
6h13m00s
